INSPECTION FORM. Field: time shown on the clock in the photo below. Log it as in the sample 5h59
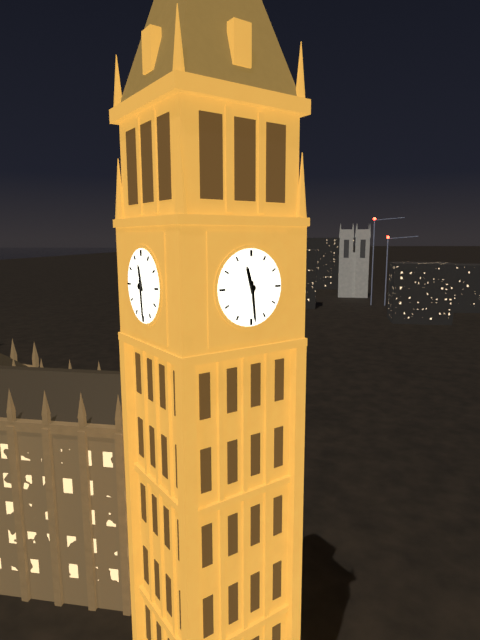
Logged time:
11h29
